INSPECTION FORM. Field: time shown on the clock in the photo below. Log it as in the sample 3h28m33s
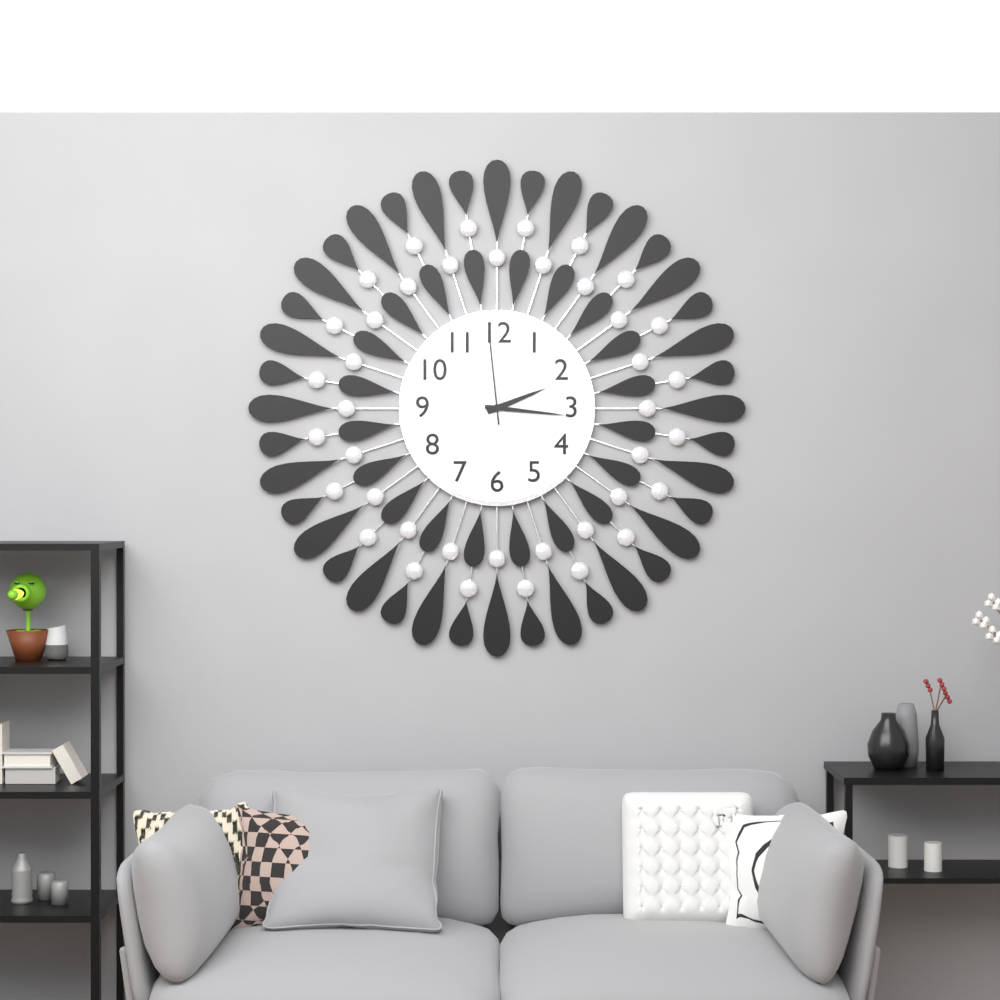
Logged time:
2h16m59s
